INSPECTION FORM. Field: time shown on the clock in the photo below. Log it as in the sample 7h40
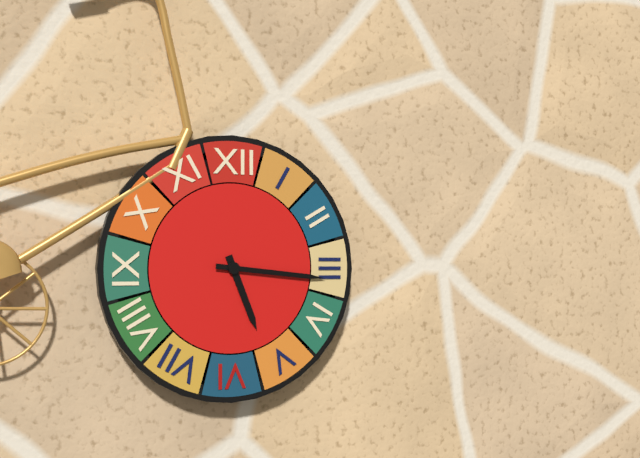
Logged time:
5h16
